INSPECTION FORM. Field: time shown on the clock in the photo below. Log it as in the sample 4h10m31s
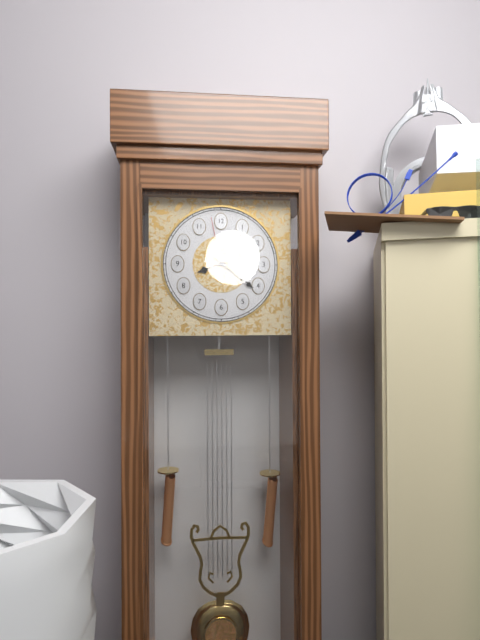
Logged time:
8h21m58s
